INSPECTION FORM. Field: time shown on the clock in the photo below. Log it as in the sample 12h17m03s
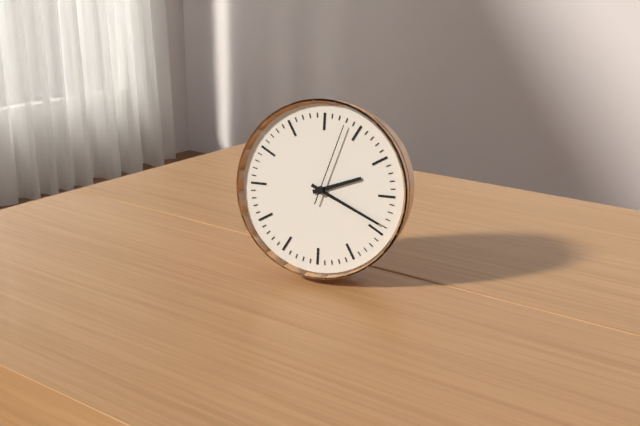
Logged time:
2h19m03s
